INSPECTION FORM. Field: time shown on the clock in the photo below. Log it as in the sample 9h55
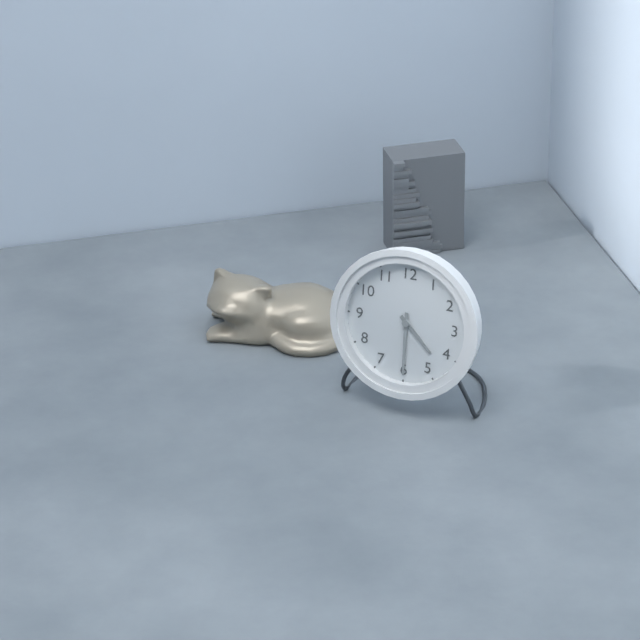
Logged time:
4h30
